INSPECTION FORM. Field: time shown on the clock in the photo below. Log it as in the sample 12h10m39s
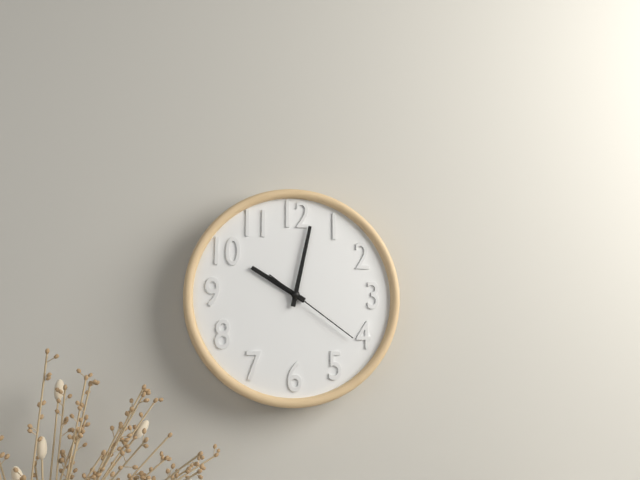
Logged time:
10h02m21s
